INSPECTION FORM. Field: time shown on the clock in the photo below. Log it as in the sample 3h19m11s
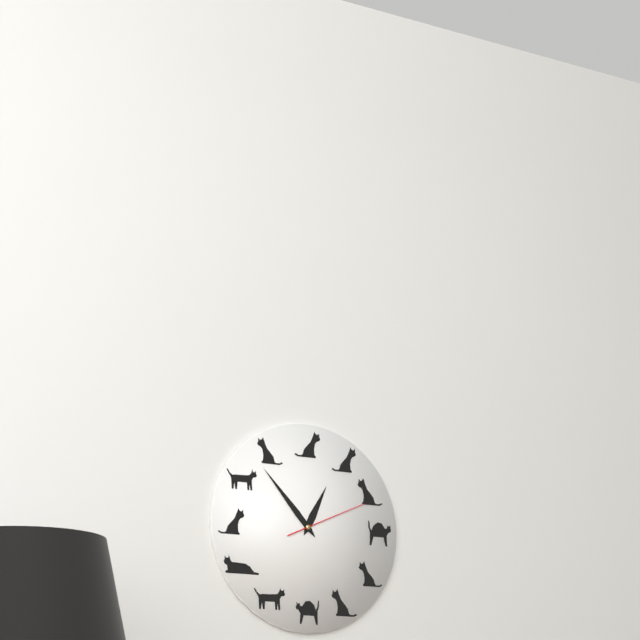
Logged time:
12h53m11s
